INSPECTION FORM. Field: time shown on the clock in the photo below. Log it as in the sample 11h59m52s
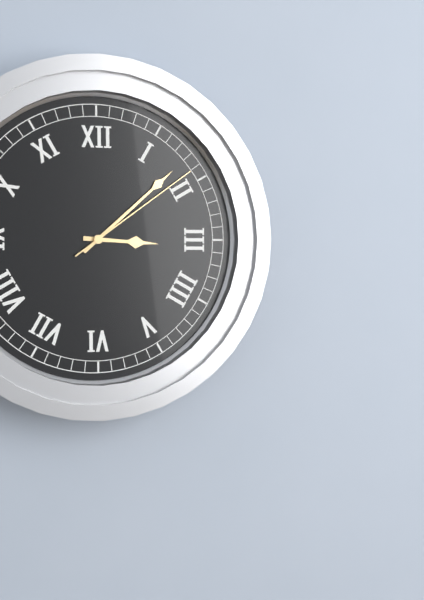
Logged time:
3h08m09s
